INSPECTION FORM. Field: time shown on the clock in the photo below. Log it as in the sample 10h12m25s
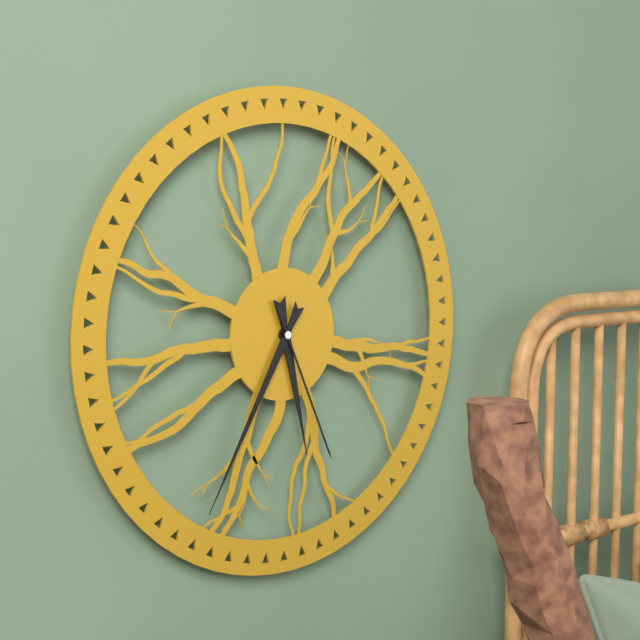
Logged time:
5h35m26s
